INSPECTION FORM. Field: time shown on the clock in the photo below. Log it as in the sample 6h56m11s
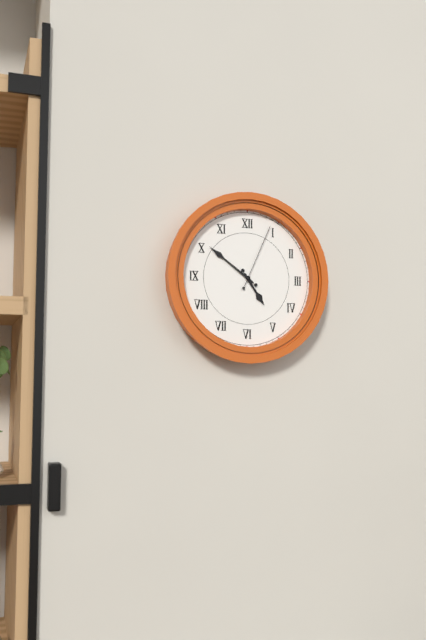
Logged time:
4h51m04s
